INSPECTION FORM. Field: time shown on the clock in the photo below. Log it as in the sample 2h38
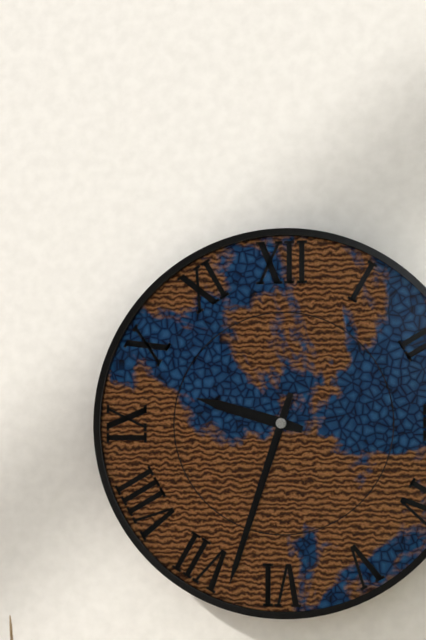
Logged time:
9h33
